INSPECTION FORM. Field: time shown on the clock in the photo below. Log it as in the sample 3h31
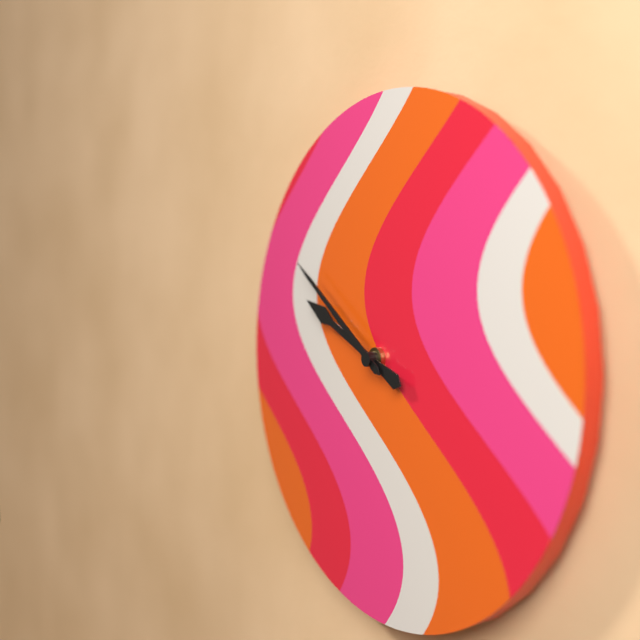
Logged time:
9h51
